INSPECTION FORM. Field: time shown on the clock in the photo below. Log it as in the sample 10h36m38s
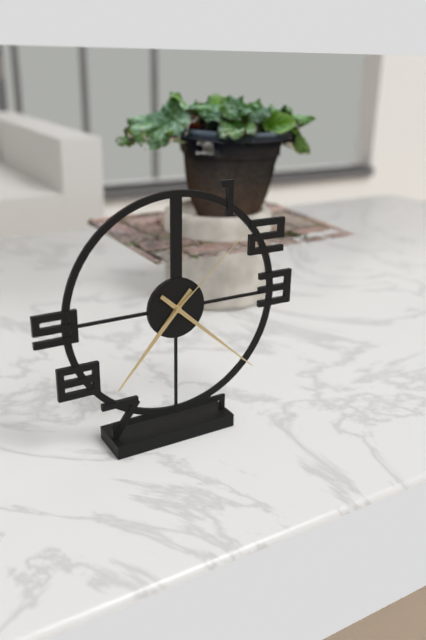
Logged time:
7h22m08s
